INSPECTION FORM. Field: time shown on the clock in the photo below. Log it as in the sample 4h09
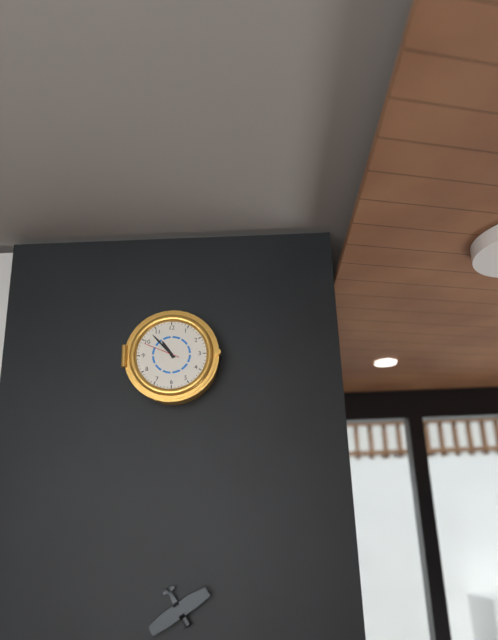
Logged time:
10h53
